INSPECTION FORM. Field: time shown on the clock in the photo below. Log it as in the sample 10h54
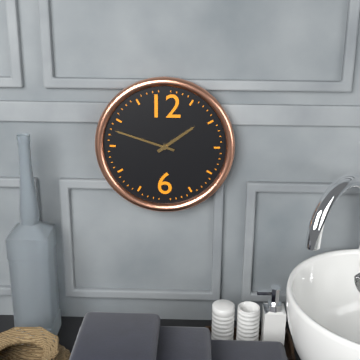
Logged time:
1h48
